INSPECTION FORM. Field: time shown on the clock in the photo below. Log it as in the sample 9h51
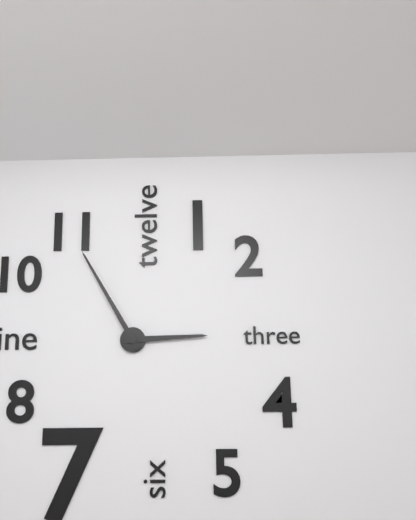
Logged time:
2h55
